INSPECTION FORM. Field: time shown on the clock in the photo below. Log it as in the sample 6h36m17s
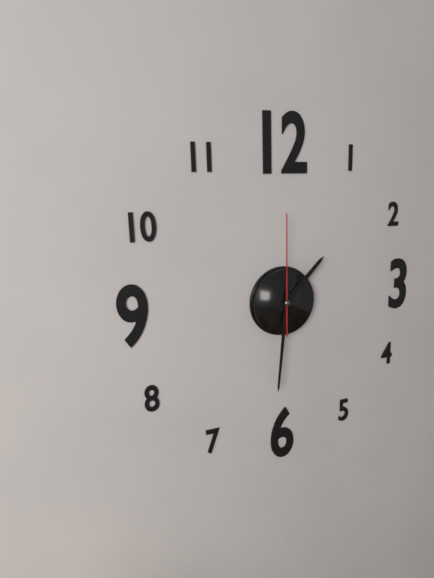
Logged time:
1h31m00s
